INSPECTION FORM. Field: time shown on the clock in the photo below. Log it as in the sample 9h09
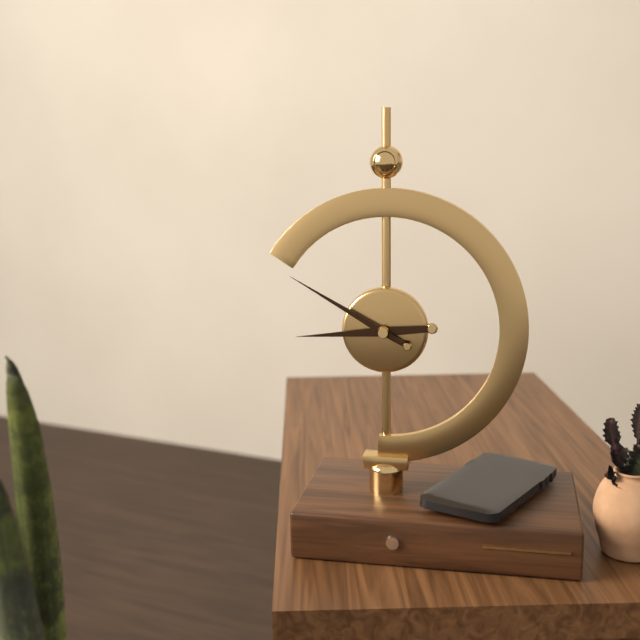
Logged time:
8h50
